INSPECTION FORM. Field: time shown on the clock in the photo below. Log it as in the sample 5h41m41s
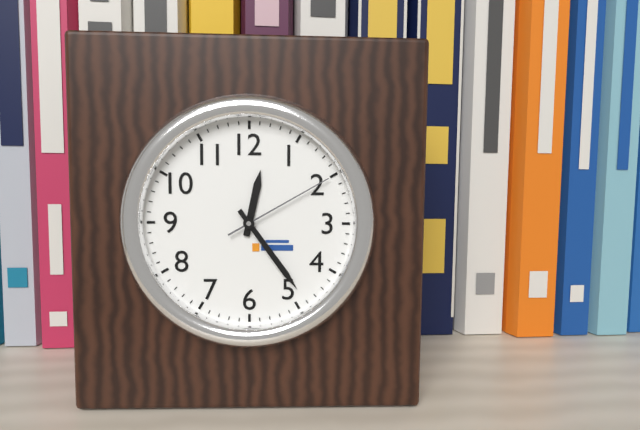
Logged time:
12h24m10s
